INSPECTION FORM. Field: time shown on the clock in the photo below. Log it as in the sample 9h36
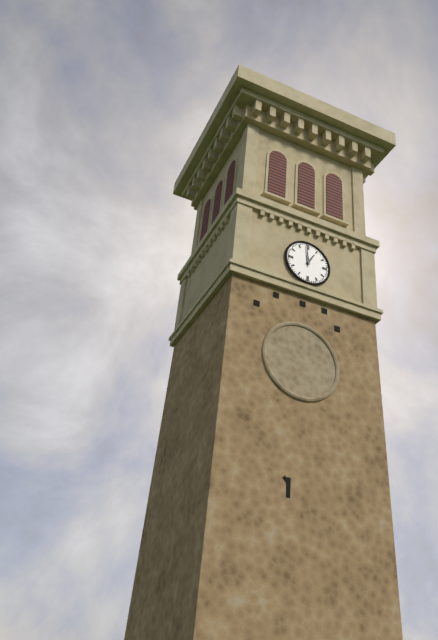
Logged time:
12h59
